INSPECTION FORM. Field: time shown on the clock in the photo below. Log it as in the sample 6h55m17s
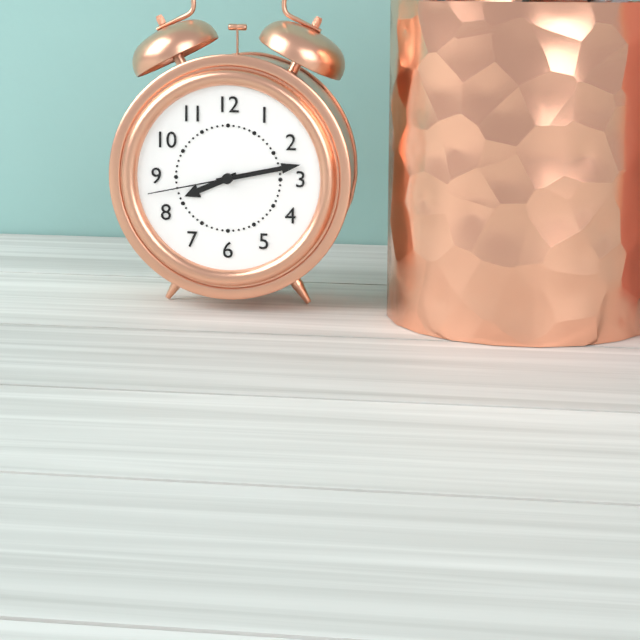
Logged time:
8h13m43s
